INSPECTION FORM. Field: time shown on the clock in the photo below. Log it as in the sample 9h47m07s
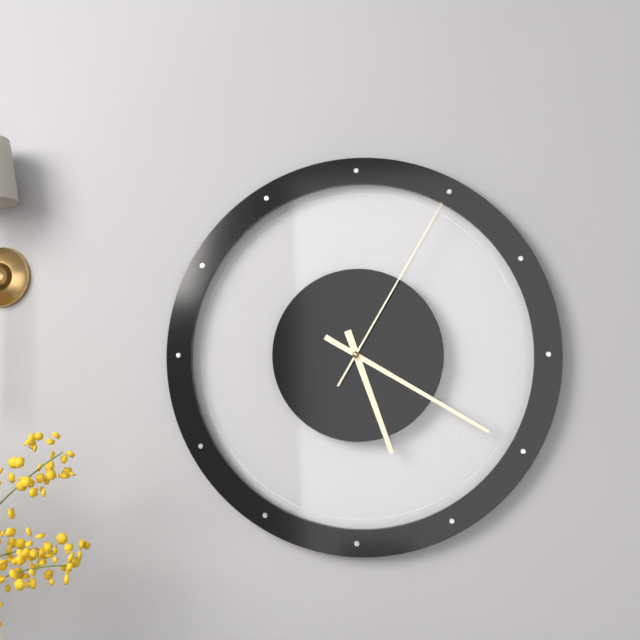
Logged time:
5h20m05s
